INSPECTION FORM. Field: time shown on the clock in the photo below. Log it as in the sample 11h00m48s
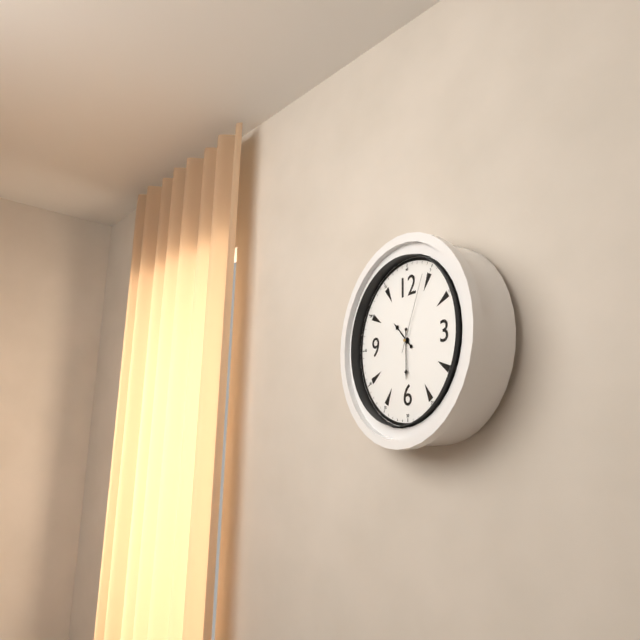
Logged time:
10h30m04s
